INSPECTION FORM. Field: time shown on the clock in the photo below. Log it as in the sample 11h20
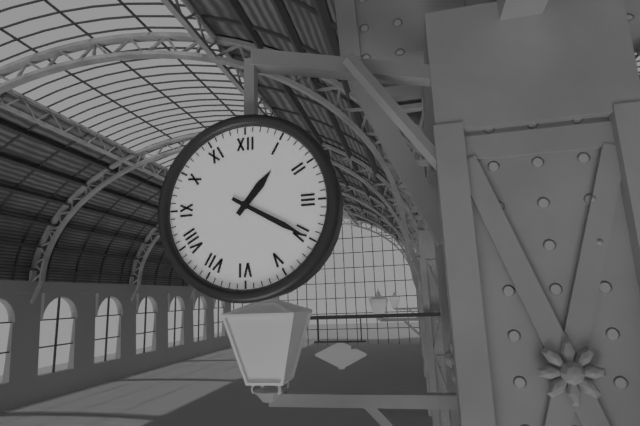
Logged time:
1h20
